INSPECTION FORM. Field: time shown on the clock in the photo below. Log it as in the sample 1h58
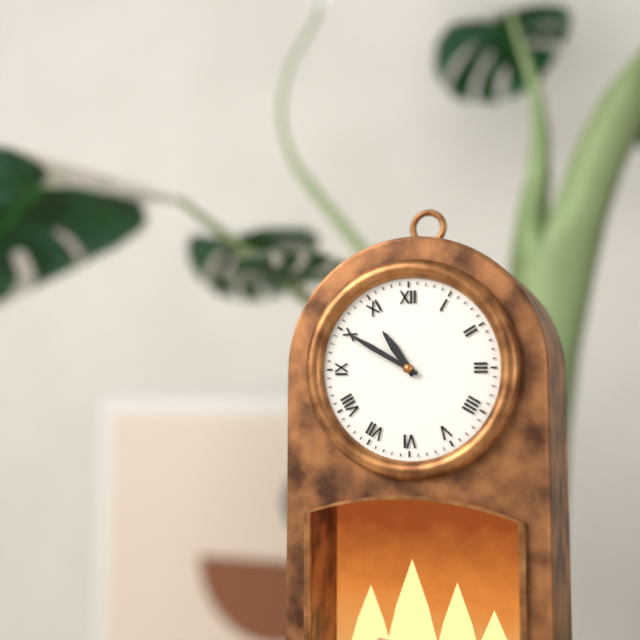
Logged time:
10h50
